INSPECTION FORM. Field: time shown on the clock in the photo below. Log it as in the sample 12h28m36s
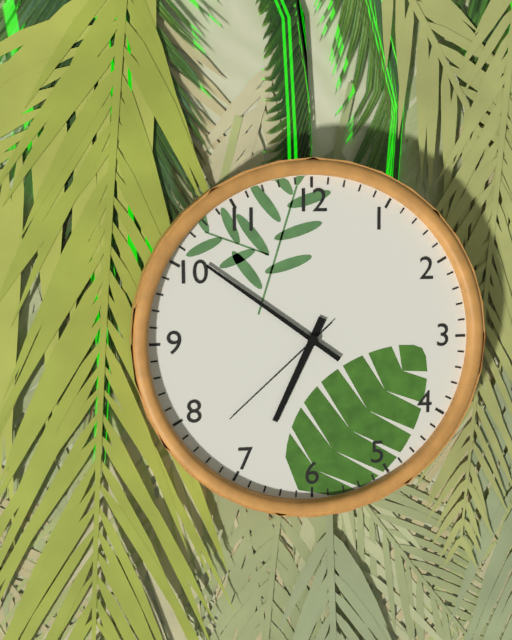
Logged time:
6h51m38s
